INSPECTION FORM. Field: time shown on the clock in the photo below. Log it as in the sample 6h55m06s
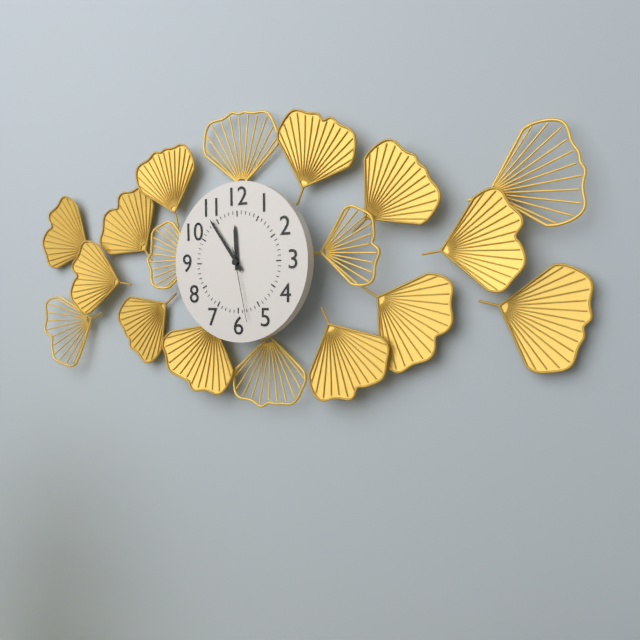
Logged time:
11h54m28s
